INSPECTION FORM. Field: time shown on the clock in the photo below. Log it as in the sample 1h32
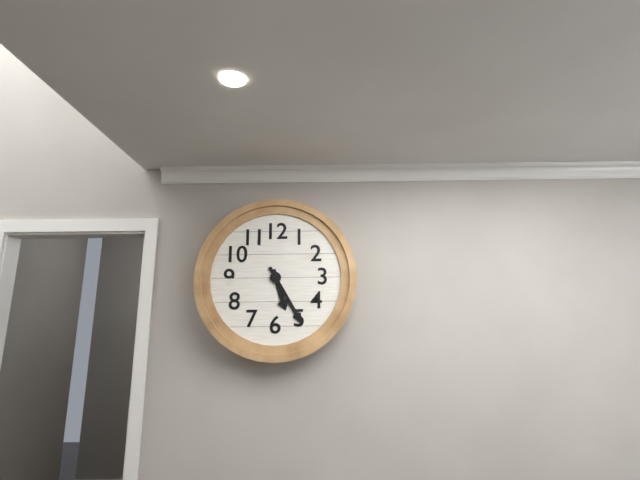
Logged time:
5h25
